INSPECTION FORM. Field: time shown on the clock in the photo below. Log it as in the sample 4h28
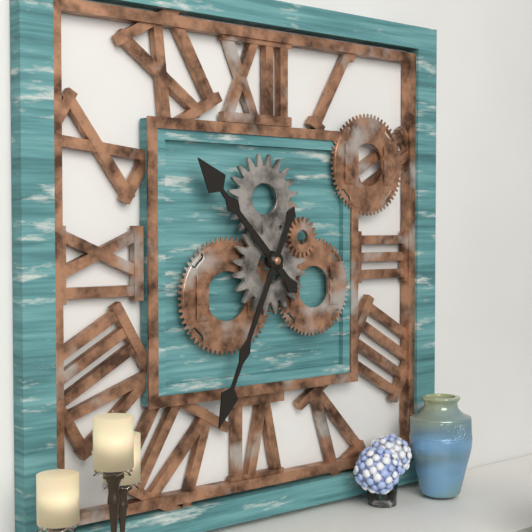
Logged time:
10h34
